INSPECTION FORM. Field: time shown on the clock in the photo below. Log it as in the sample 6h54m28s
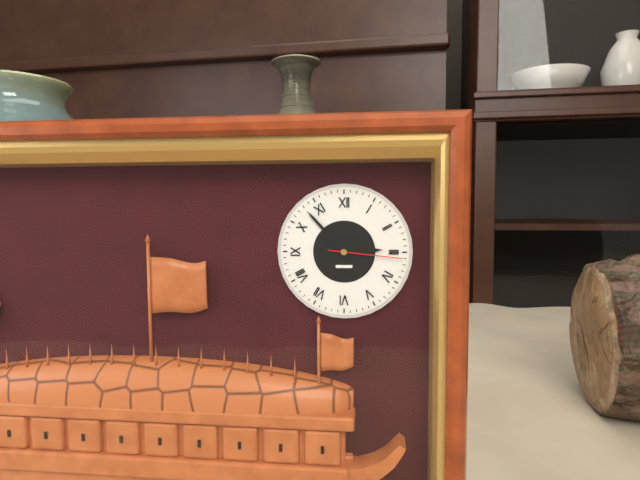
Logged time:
2h53m16s
